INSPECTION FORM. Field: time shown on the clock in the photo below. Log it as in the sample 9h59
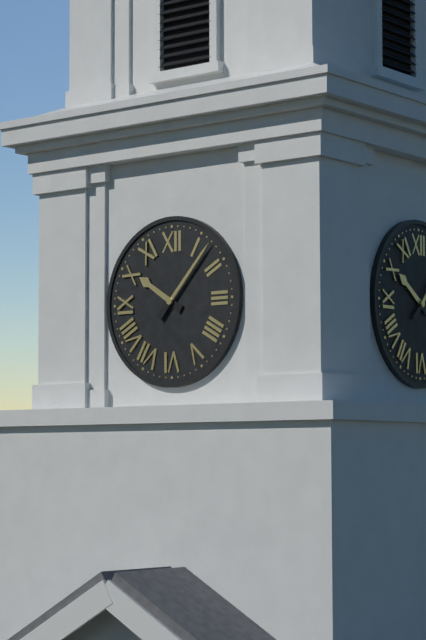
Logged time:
10h07
